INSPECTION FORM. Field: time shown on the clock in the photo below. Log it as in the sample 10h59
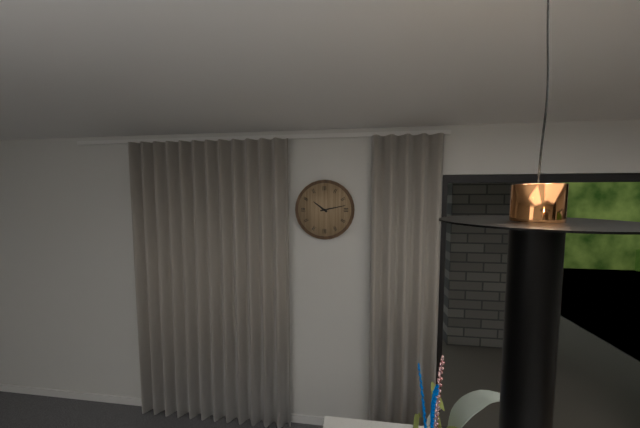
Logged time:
10h13
